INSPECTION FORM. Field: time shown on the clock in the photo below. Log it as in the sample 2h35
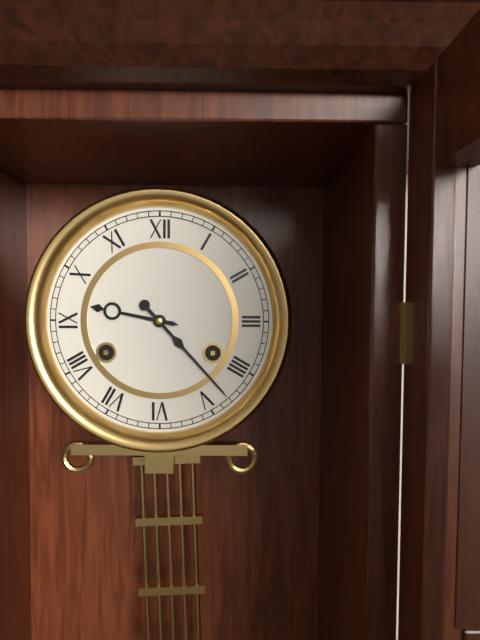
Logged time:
9h23
